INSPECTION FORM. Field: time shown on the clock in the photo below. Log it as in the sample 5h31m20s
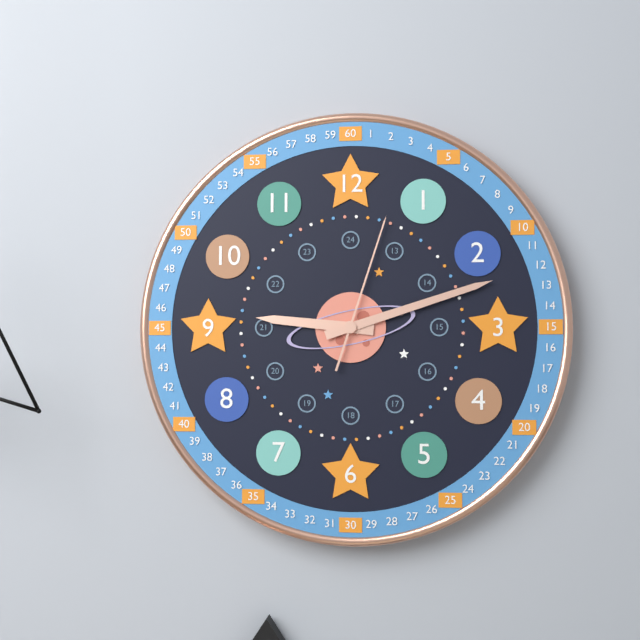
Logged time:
9h12m03s
